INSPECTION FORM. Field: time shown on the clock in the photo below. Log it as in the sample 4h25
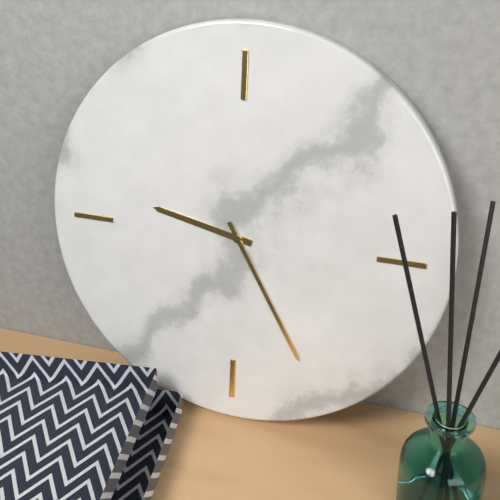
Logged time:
9h25
